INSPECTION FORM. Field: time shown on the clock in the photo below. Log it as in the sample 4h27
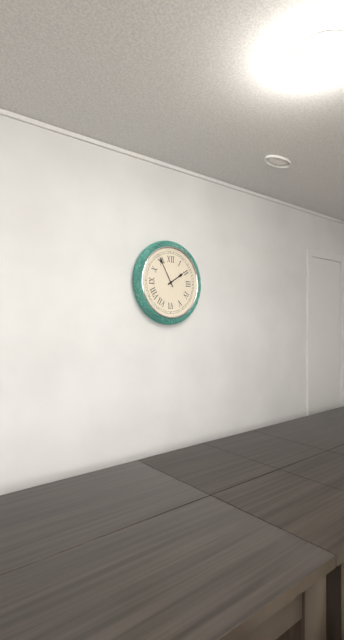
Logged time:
1h55
